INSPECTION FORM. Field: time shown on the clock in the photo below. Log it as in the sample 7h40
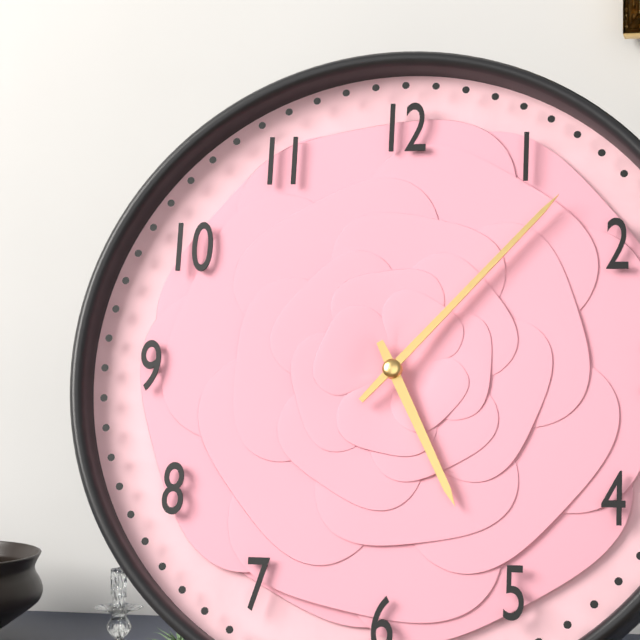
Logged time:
5h07
